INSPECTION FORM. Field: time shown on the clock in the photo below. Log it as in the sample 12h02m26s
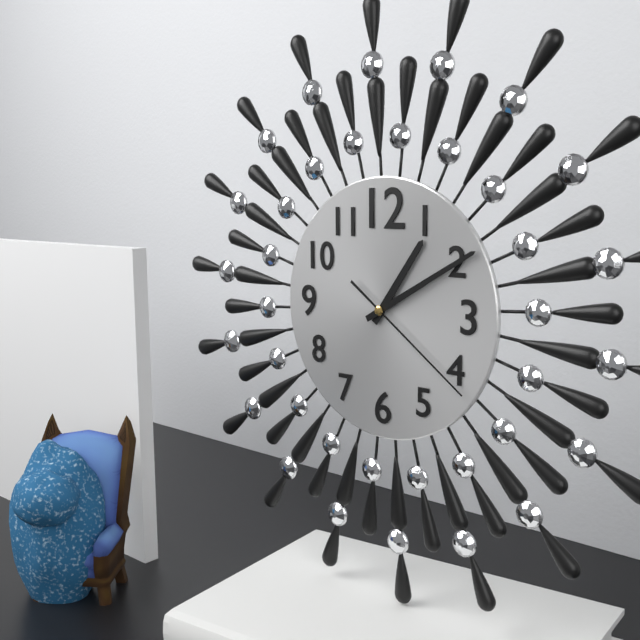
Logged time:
1h10m21s
